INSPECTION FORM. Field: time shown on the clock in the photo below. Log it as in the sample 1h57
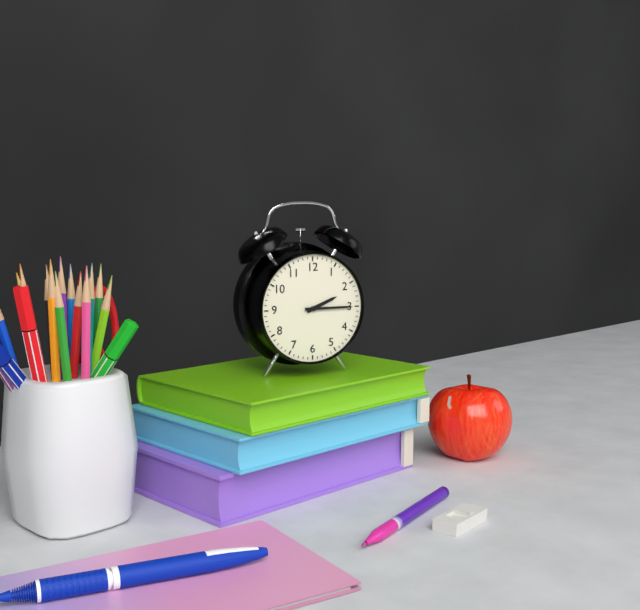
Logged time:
2h15
